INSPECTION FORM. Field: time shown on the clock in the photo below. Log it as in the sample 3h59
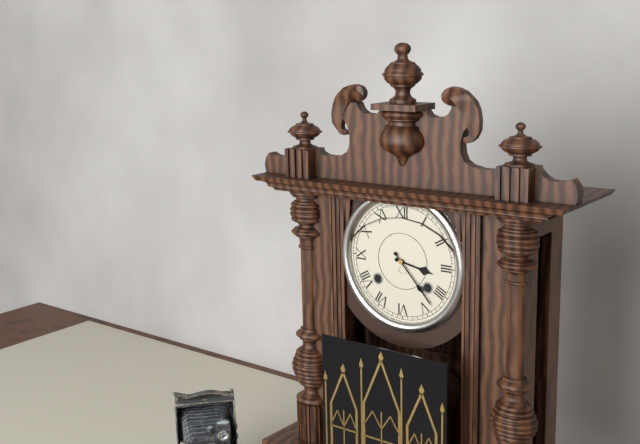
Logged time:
3h23
